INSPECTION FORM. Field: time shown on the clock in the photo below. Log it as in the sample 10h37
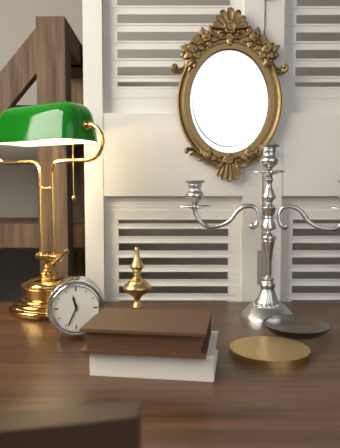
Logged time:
11h34
